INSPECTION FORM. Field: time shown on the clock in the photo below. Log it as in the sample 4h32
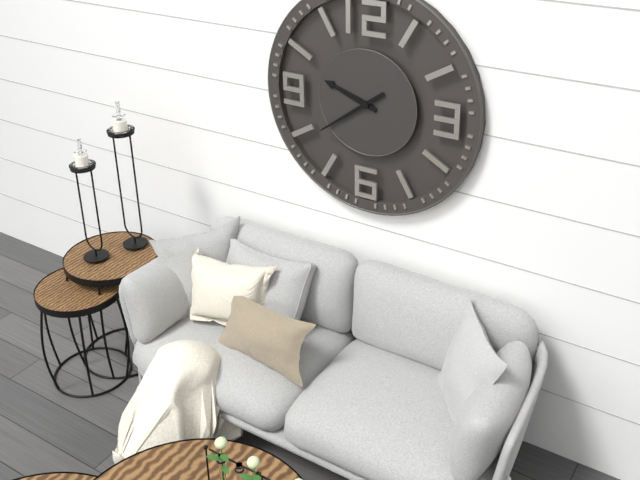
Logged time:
9h39
